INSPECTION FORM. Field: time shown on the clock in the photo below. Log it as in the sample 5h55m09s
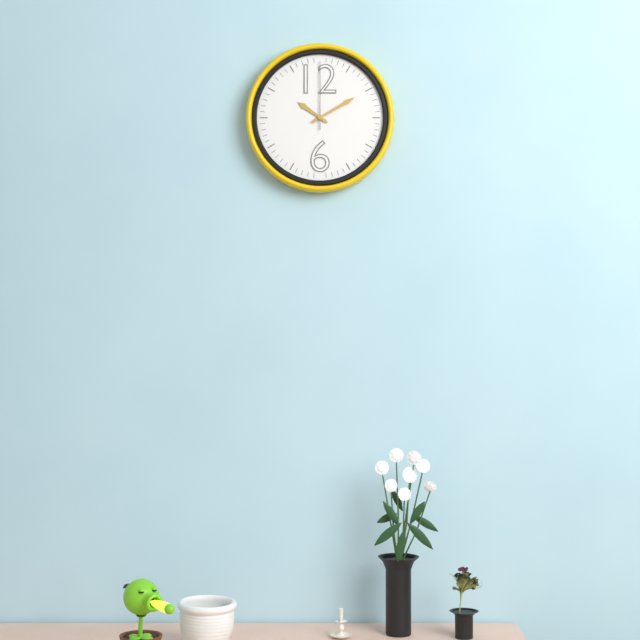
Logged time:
10h10m00s
